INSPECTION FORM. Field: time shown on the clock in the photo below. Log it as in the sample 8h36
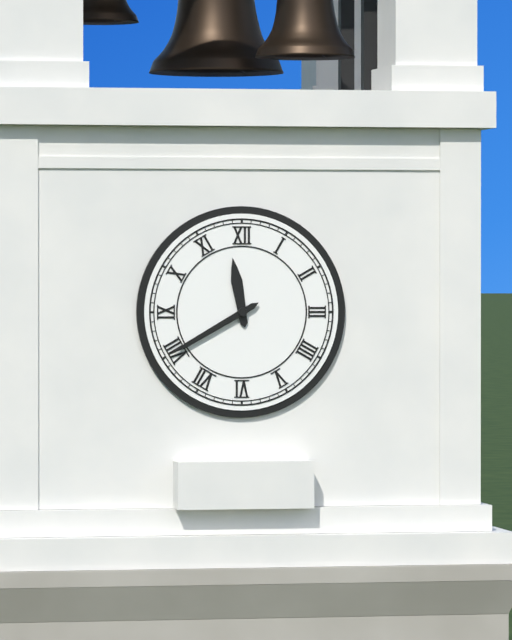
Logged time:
11h40
